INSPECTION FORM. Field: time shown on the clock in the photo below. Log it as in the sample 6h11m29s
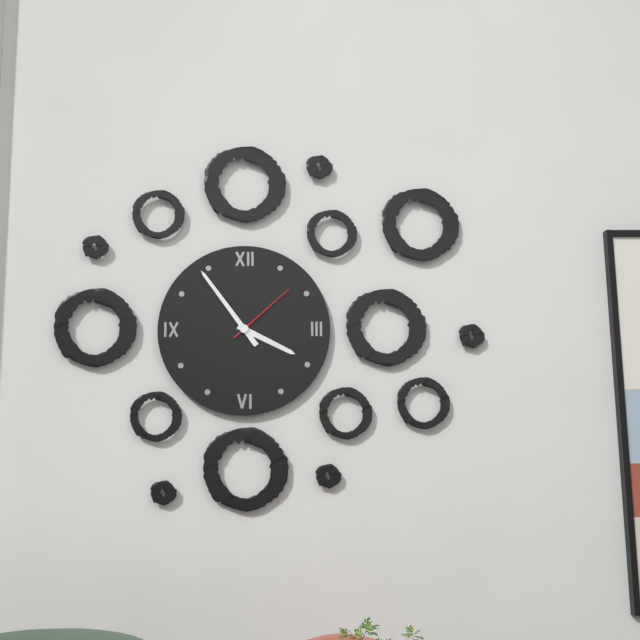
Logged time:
3h54m08s
